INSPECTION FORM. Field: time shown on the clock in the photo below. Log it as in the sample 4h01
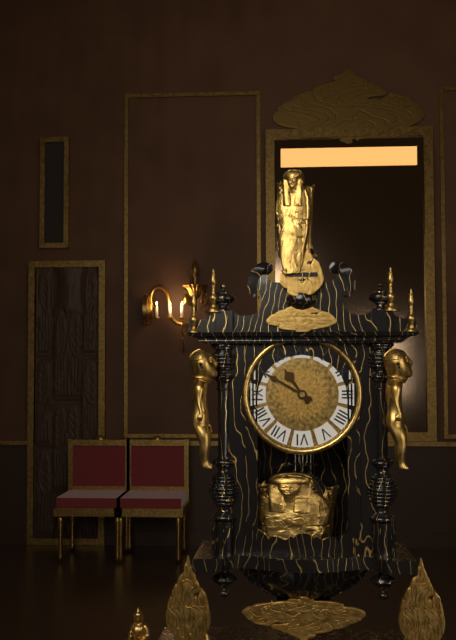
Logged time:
10h50
